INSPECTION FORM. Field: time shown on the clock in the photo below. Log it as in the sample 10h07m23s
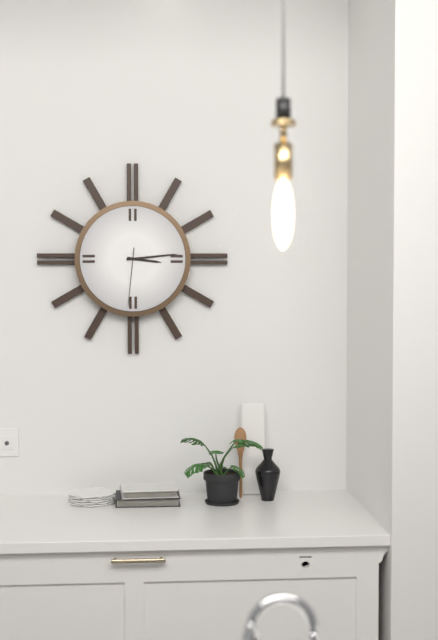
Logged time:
3h14m31s
